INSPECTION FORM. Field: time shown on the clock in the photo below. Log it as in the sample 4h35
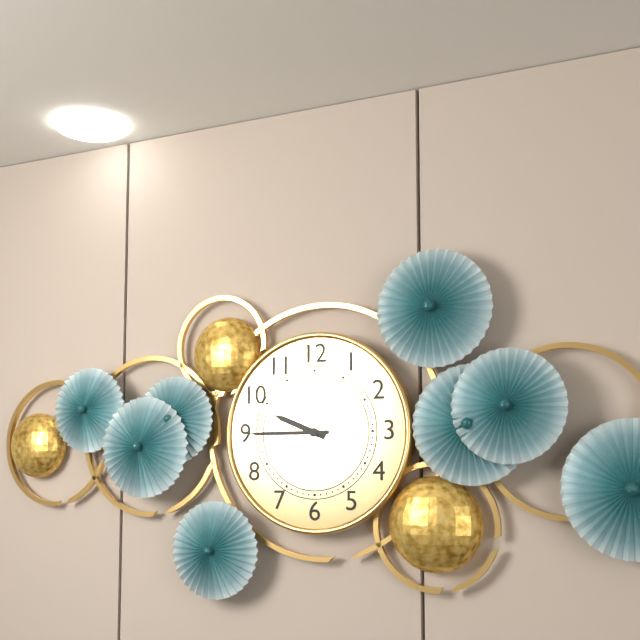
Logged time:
9h45
